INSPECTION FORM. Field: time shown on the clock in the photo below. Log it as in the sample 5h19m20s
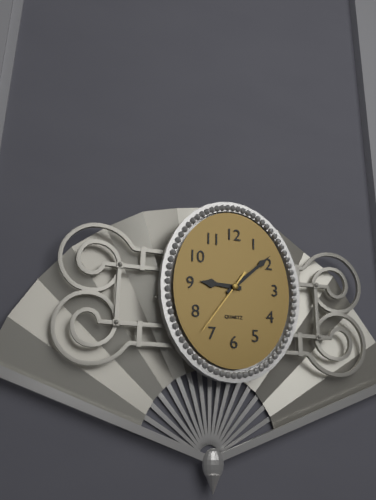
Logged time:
9h08m36s
